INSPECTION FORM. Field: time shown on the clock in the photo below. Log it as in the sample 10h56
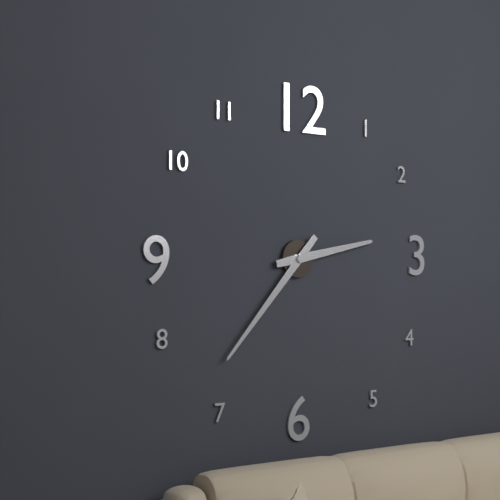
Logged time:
2h37
